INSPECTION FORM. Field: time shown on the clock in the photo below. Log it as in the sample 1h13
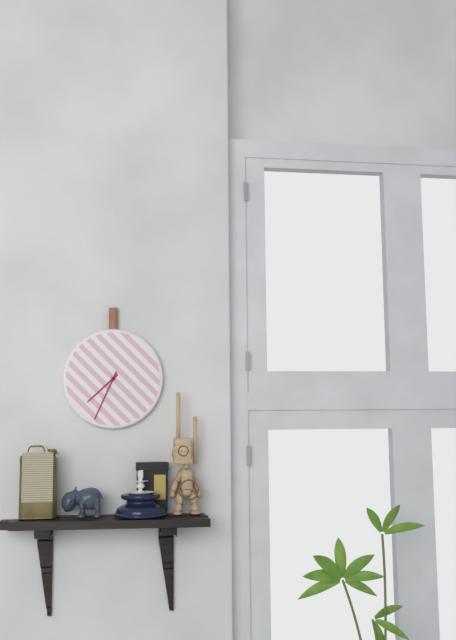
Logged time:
7h34
